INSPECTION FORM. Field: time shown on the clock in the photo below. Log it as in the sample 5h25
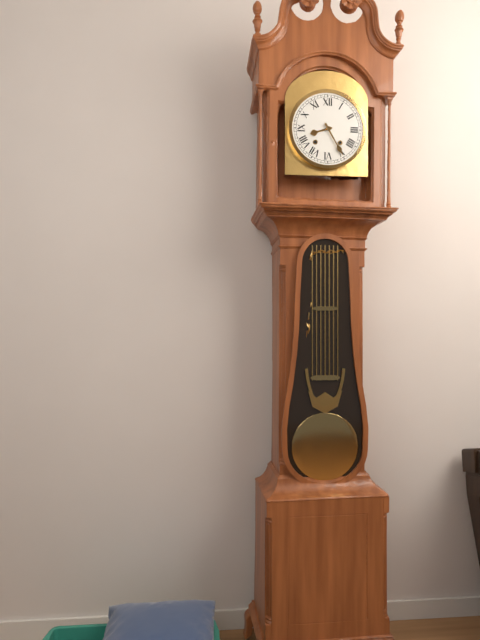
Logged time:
8h25
